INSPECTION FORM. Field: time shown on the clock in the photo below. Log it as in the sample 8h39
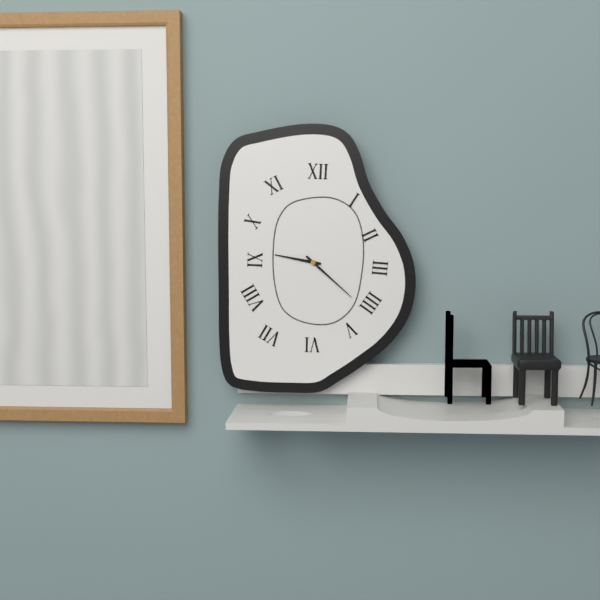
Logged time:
9h22
